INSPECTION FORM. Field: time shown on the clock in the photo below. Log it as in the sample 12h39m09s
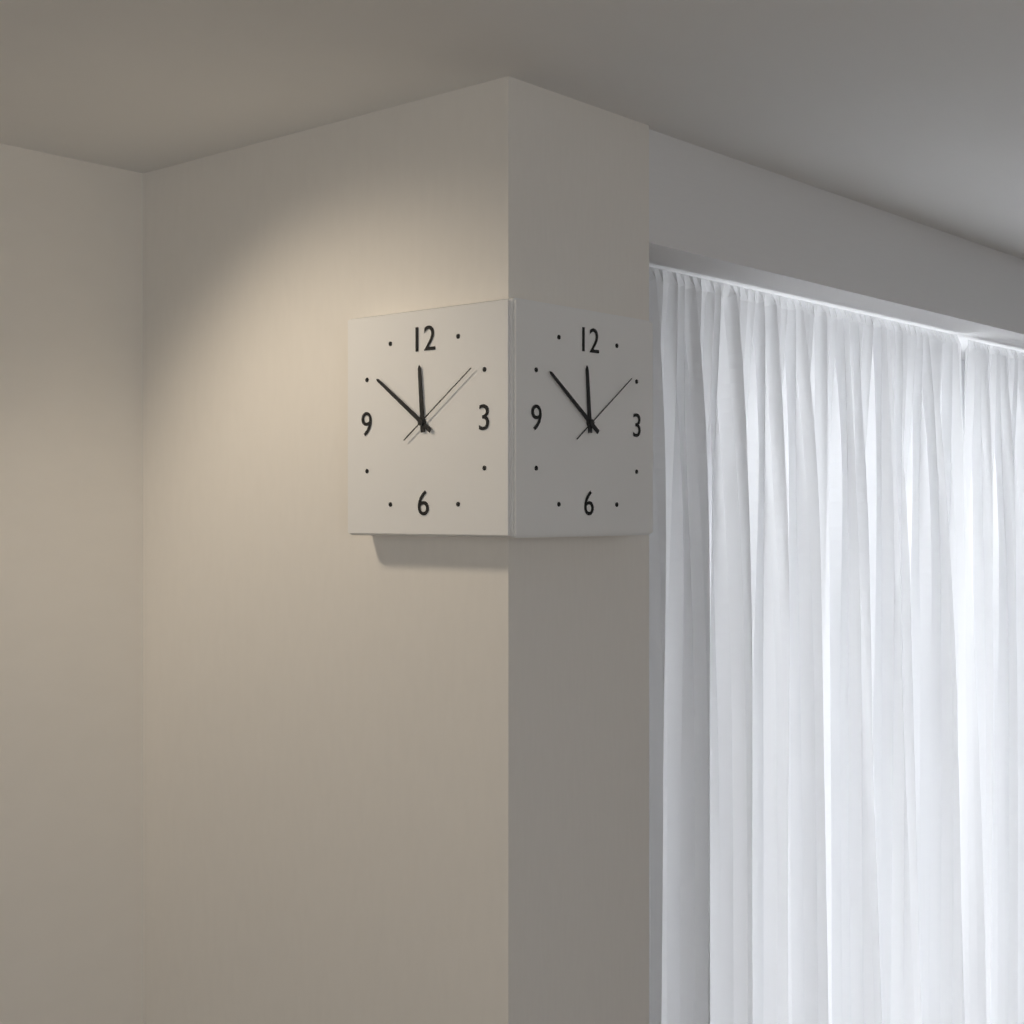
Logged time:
11h51m09s
